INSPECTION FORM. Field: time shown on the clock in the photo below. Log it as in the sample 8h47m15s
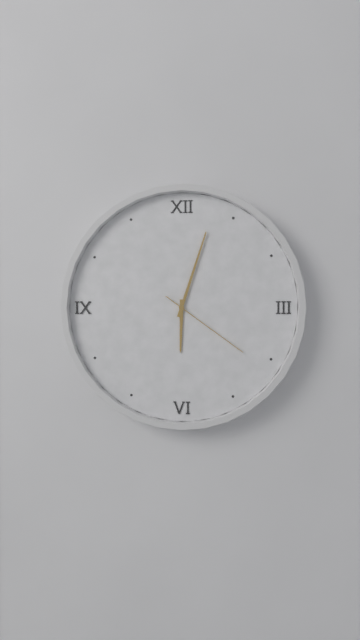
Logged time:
6h03m21s
